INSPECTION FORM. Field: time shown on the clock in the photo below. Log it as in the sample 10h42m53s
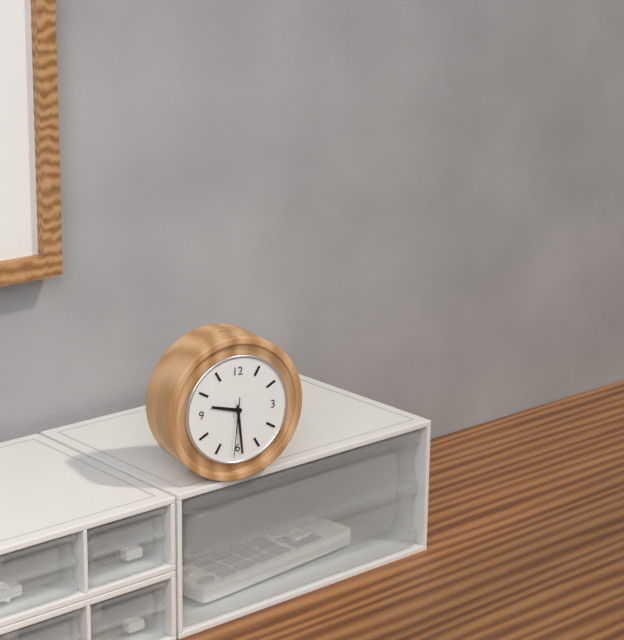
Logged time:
9h29m31s
